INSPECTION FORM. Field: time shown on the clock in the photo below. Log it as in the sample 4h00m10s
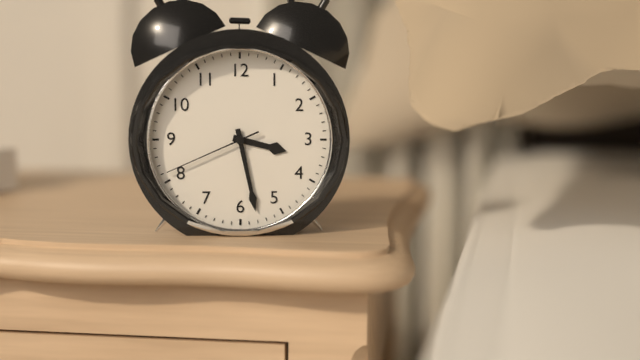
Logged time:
3h28m41s
